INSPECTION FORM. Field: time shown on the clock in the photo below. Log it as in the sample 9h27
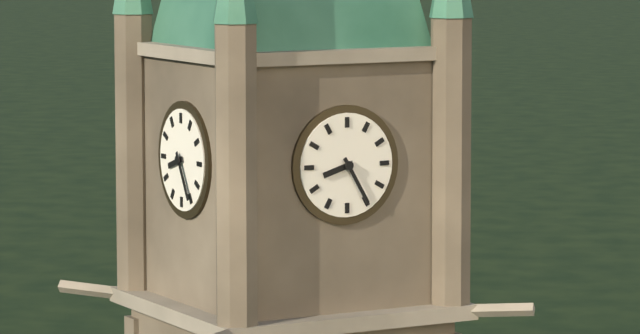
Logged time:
8h25
